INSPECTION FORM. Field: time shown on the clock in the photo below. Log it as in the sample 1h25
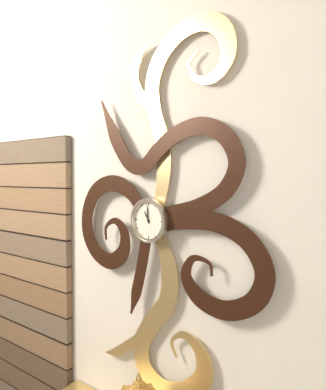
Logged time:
10h59
